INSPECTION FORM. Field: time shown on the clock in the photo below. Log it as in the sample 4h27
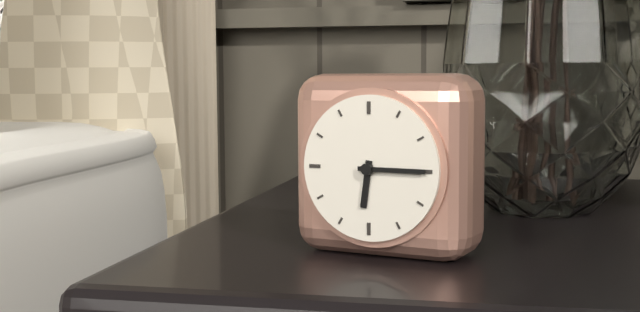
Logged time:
6h15
